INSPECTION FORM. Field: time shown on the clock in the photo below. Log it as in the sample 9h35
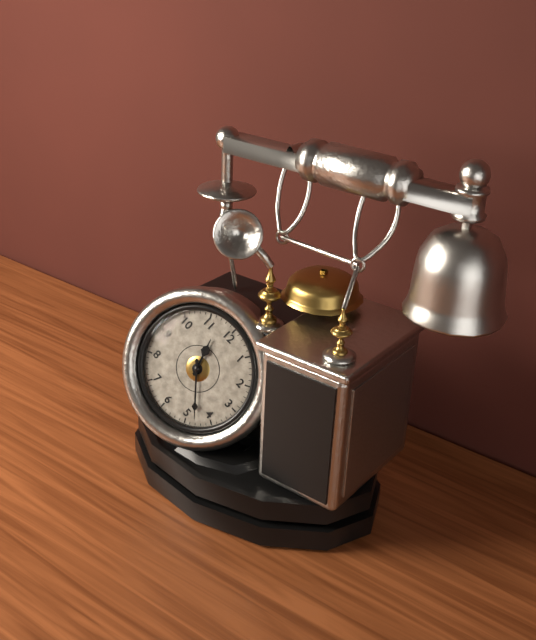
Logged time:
11h23
